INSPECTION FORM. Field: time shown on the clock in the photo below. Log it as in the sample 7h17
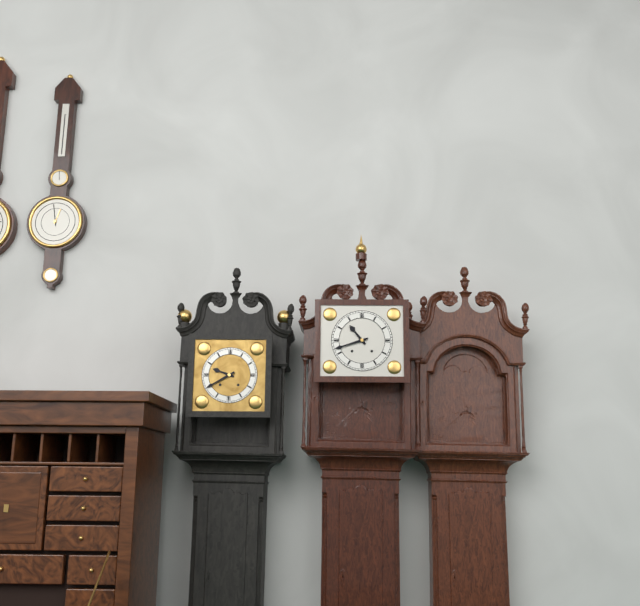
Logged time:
10h42
